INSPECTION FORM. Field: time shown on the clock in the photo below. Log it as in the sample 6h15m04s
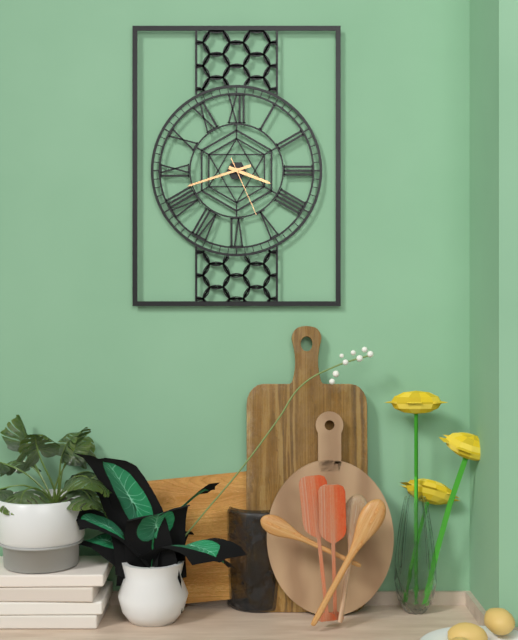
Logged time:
3h42m26s
